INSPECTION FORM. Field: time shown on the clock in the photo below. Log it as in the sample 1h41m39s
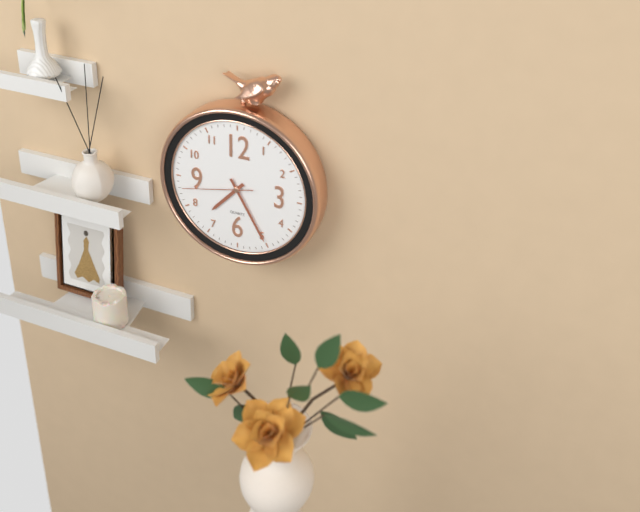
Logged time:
7h25m43s
